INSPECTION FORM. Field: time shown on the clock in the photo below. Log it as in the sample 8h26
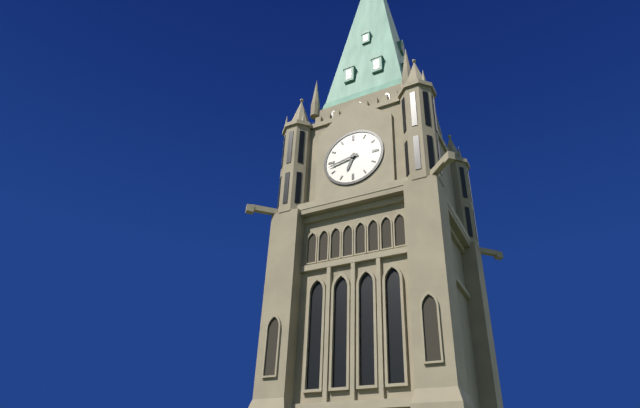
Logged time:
6h43
